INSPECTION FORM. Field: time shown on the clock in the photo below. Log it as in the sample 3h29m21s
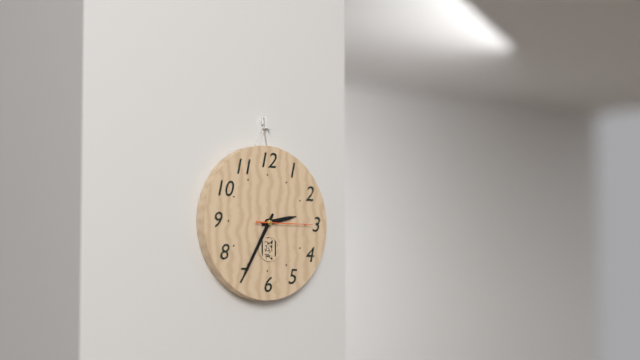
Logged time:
2h35m15s
